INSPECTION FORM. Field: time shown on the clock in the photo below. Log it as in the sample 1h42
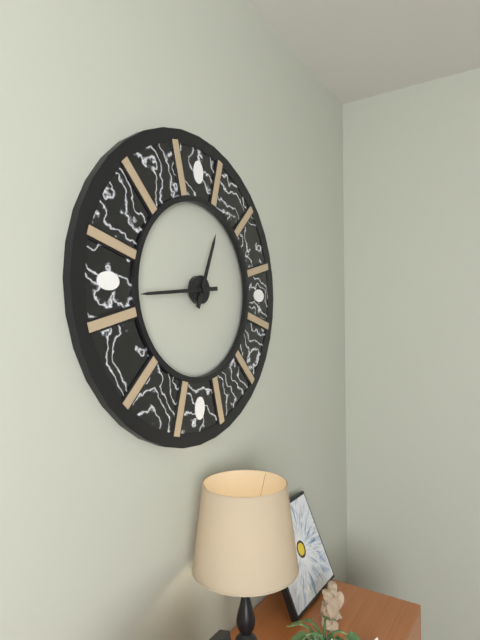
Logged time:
12h44
